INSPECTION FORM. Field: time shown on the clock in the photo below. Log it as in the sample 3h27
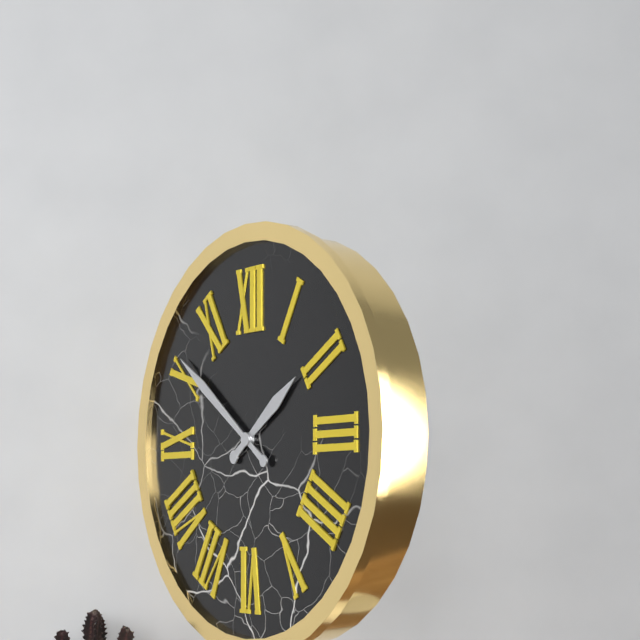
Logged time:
1h51
